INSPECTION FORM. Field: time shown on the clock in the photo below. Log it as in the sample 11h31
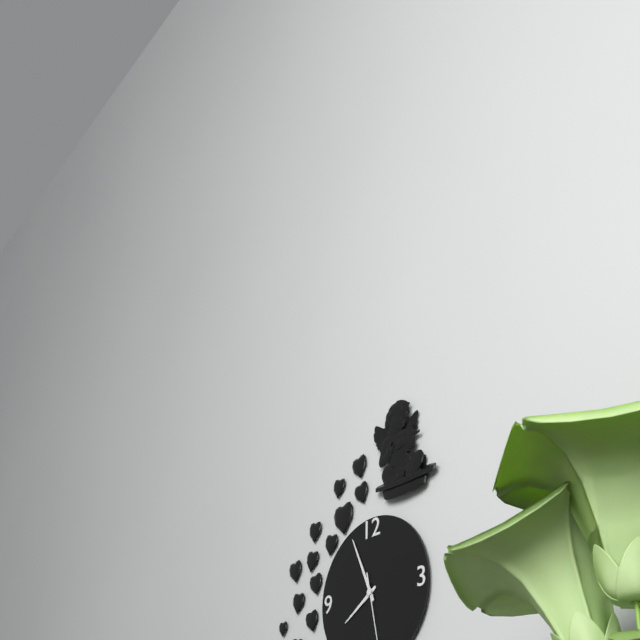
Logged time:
7h56
